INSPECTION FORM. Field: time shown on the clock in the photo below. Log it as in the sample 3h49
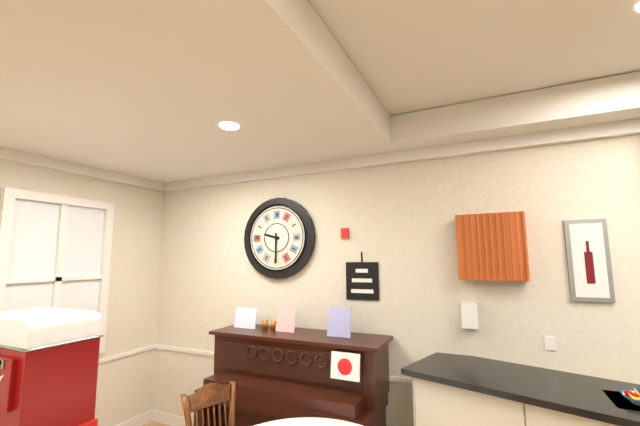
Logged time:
9h30
